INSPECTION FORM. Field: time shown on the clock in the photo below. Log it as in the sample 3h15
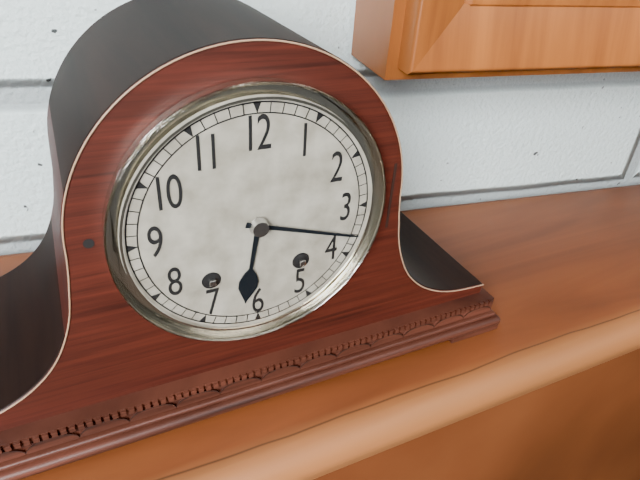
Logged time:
6h18
